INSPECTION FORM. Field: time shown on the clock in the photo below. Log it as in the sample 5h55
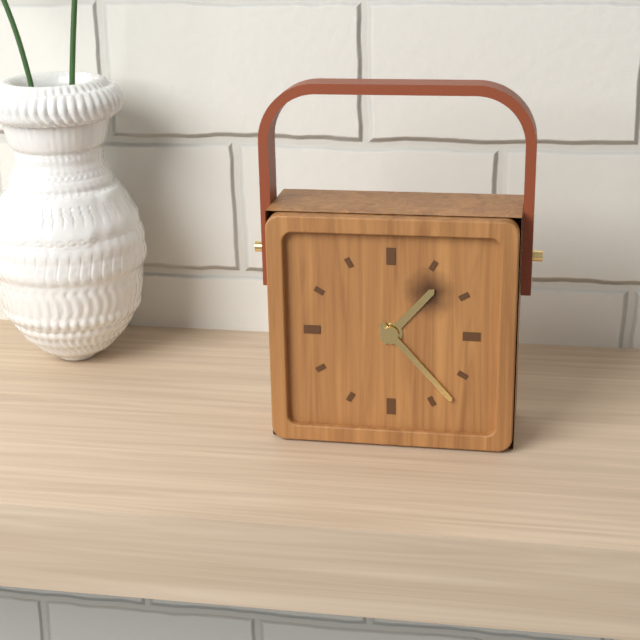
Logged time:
1h23
